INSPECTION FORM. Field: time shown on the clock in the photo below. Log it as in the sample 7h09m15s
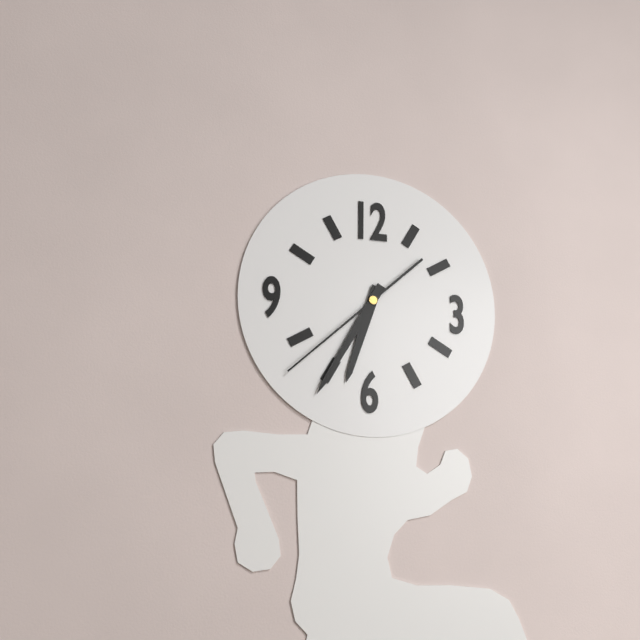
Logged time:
6h35m38s
